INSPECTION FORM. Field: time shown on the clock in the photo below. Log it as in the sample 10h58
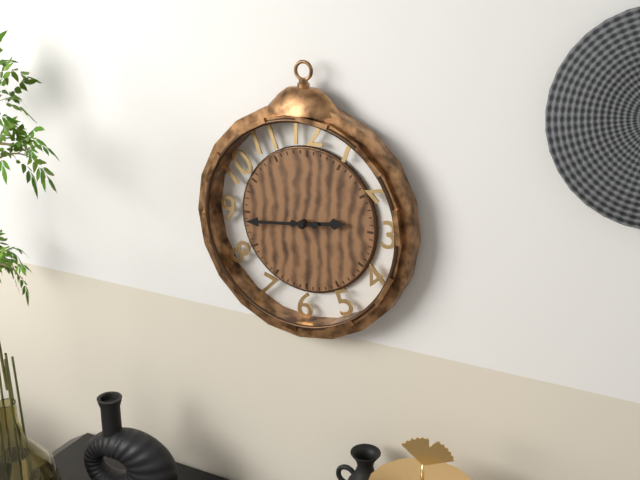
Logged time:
2h44
